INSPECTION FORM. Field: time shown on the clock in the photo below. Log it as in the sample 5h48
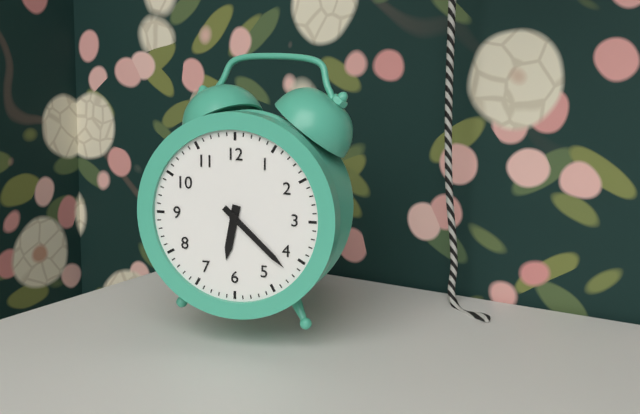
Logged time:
6h22
